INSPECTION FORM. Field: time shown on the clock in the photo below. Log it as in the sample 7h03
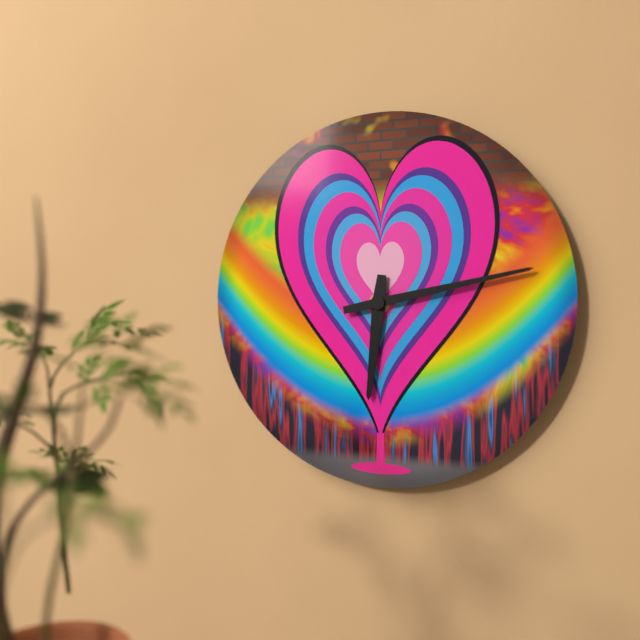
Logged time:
6h13
